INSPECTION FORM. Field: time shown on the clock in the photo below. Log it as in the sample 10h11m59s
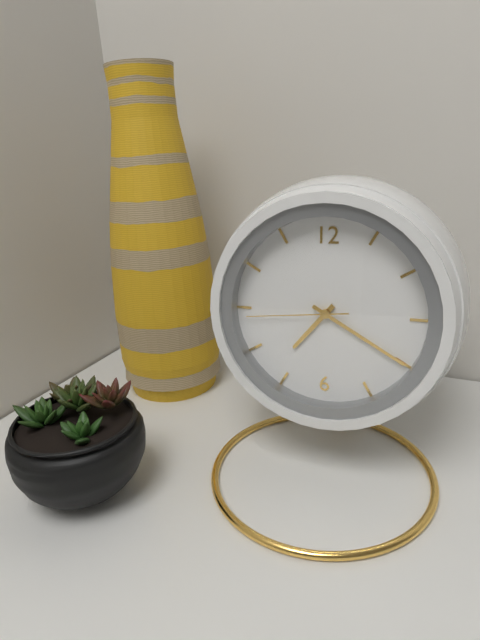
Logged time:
7h20m44s
